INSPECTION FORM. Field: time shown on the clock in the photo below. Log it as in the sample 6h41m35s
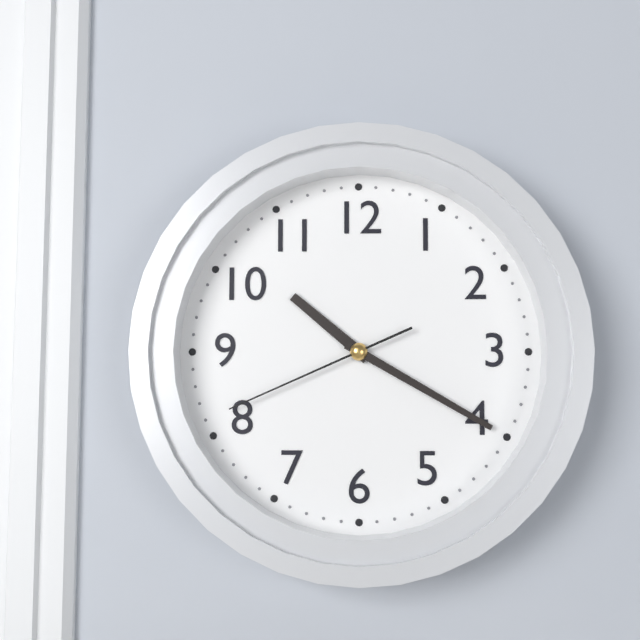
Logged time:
10h20m41s
